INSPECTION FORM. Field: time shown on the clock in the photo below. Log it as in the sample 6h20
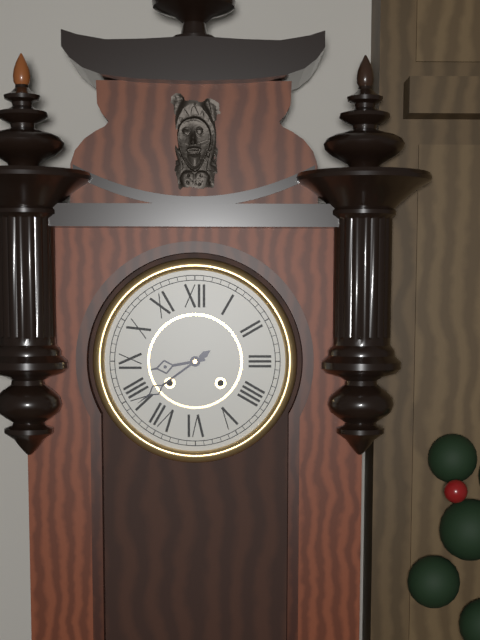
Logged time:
8h39
